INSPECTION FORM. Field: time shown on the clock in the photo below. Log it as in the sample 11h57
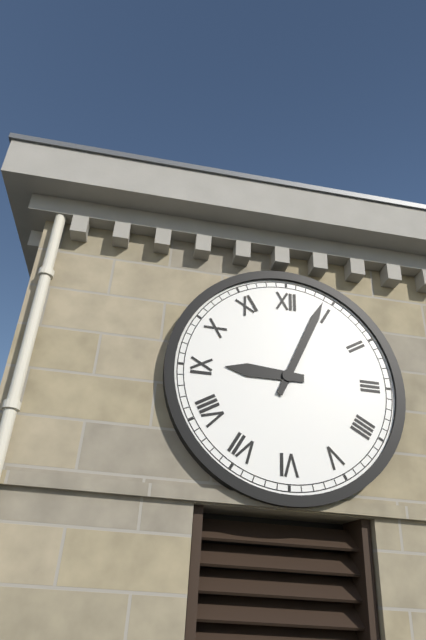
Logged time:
9h04
